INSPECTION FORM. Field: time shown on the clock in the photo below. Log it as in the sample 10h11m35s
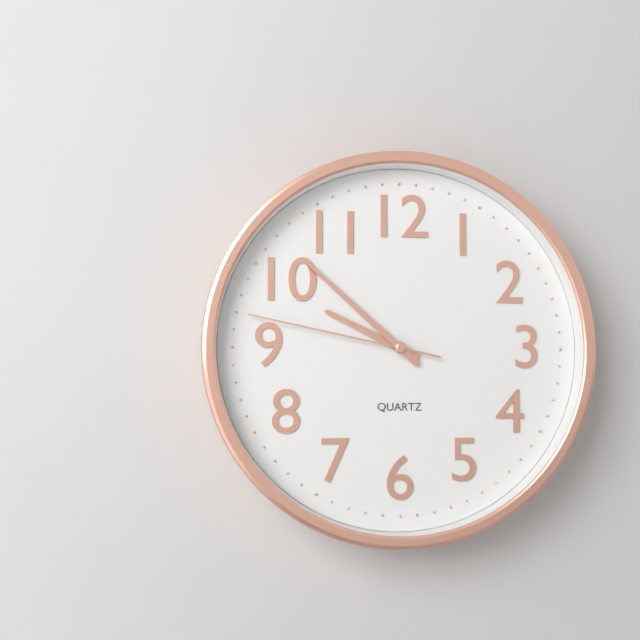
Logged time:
9h52m47s
